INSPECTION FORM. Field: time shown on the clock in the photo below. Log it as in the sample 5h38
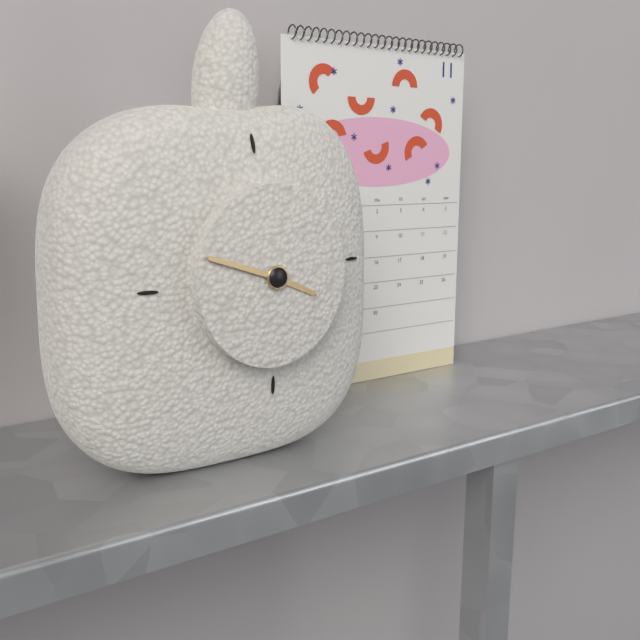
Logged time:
3h48
